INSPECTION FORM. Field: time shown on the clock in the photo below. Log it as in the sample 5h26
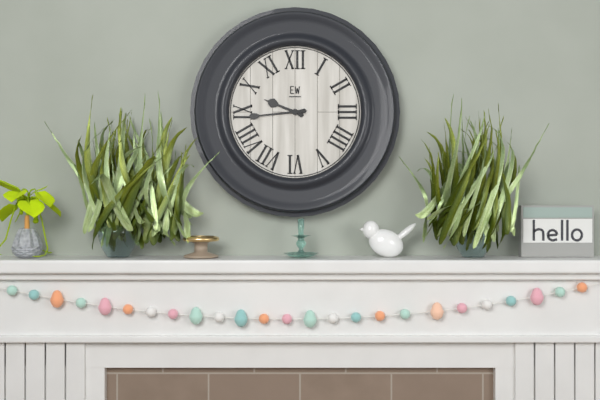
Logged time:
9h44
